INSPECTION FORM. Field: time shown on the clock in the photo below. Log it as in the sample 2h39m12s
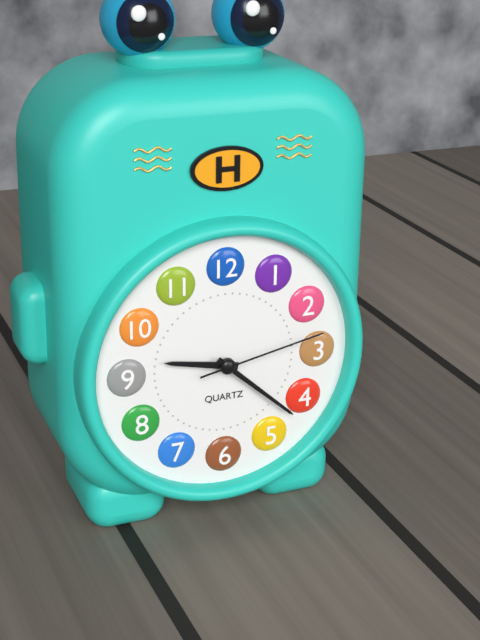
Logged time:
9h22m13s
